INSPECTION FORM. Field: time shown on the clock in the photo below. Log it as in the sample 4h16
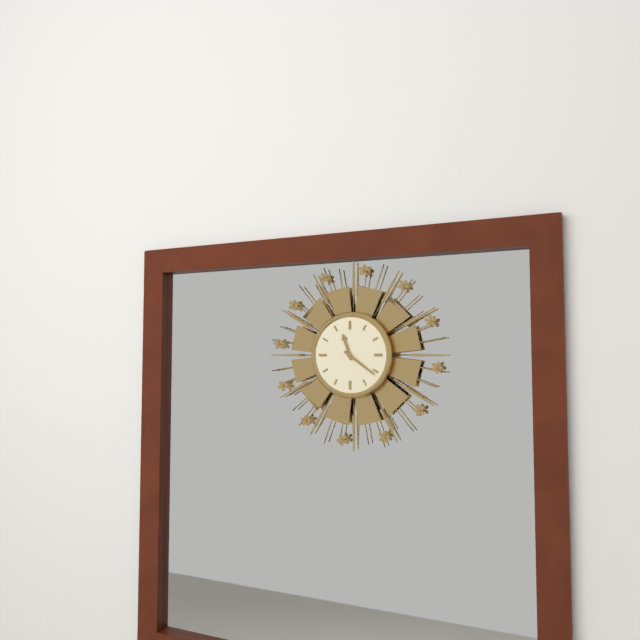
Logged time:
11h21
